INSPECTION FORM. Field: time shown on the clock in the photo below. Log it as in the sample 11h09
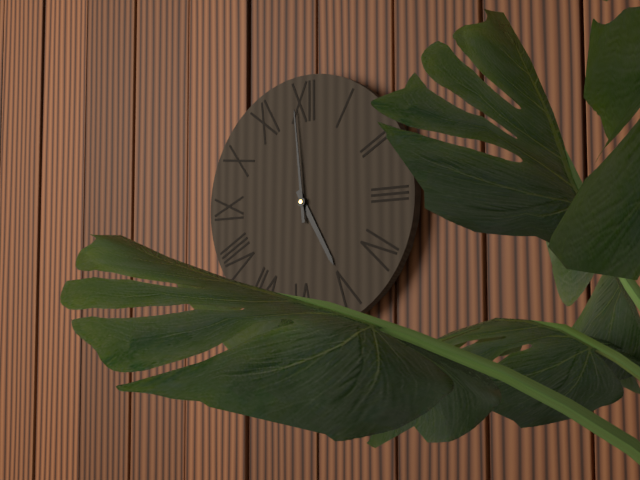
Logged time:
4h59
